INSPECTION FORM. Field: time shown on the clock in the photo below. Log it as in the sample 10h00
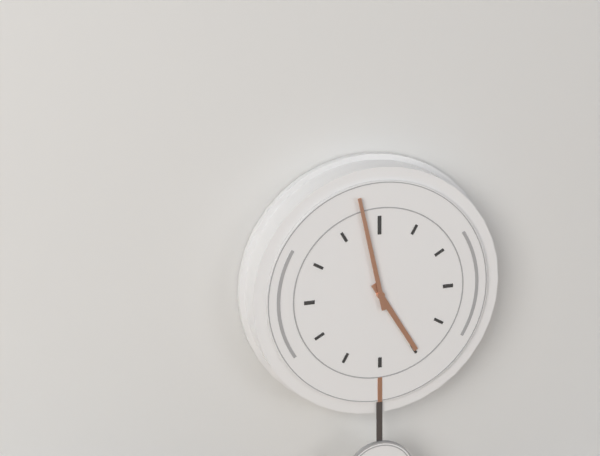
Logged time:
4h58
